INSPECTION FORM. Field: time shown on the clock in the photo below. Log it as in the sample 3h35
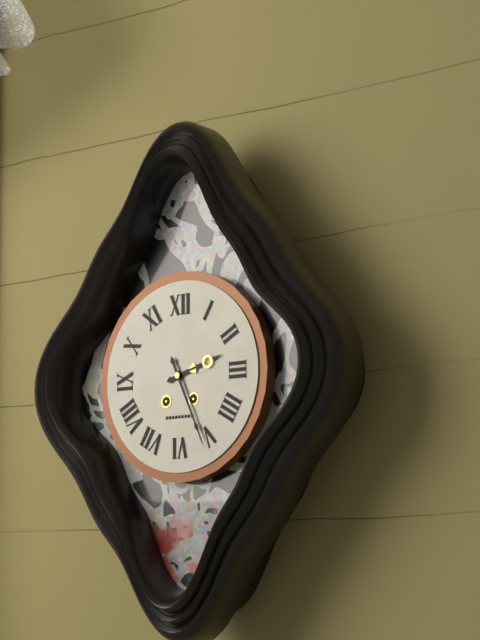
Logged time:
2h26
